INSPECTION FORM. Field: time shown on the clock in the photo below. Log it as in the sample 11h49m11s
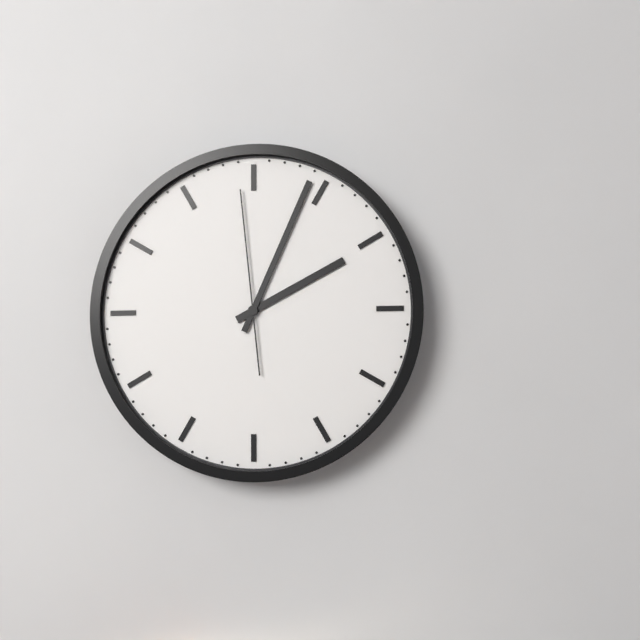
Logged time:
2h04m59s
